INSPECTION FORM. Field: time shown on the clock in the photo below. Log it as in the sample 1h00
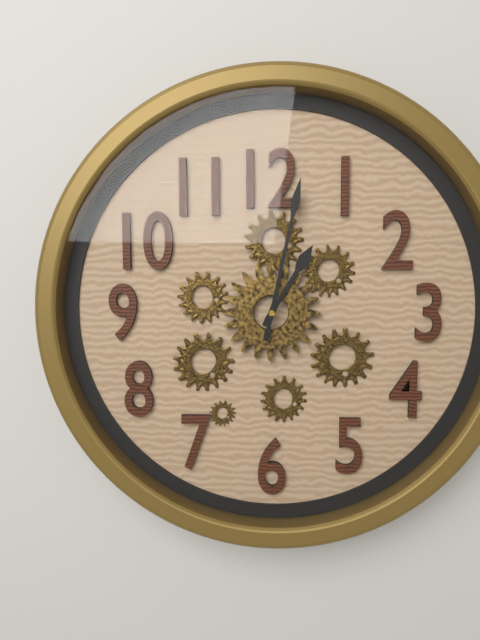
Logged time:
1h02
